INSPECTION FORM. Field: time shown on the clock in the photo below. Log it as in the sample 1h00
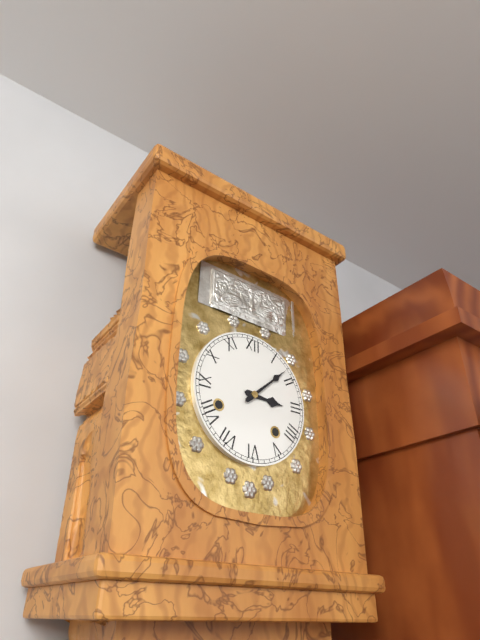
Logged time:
3h08
